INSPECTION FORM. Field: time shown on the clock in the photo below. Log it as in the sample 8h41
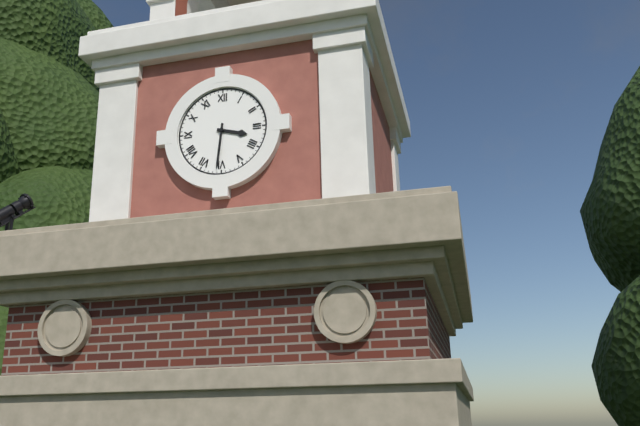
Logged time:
3h31
